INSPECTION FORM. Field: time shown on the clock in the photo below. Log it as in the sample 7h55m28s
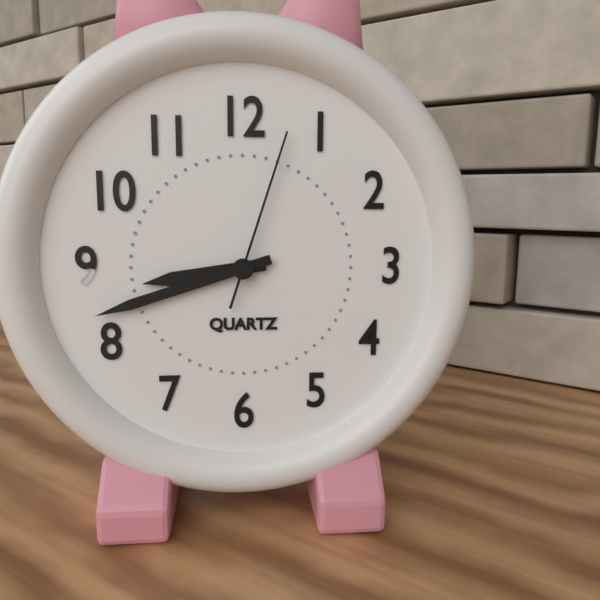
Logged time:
8h42m03s
